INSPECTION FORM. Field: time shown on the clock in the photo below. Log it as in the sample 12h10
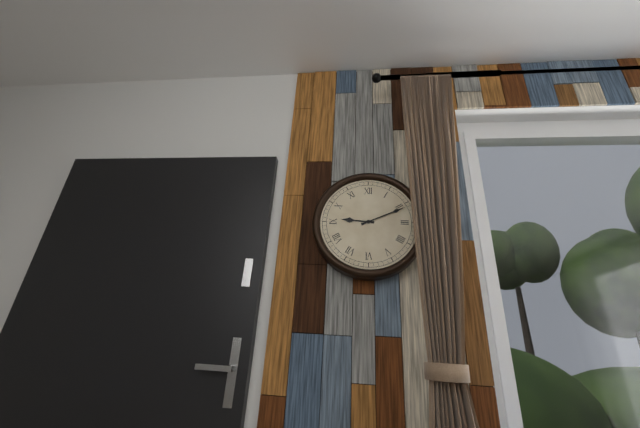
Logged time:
9h11
